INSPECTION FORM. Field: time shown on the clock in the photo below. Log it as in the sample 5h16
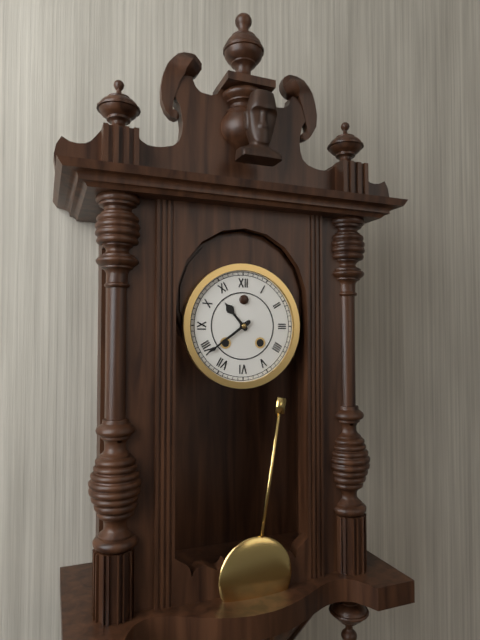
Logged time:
10h39
